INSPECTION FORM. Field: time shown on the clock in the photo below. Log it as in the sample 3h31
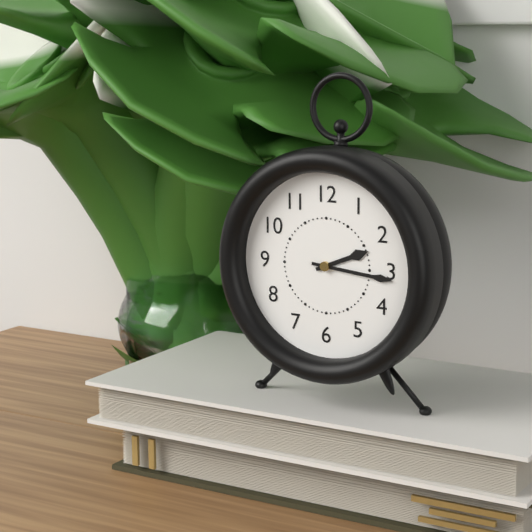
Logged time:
2h16
